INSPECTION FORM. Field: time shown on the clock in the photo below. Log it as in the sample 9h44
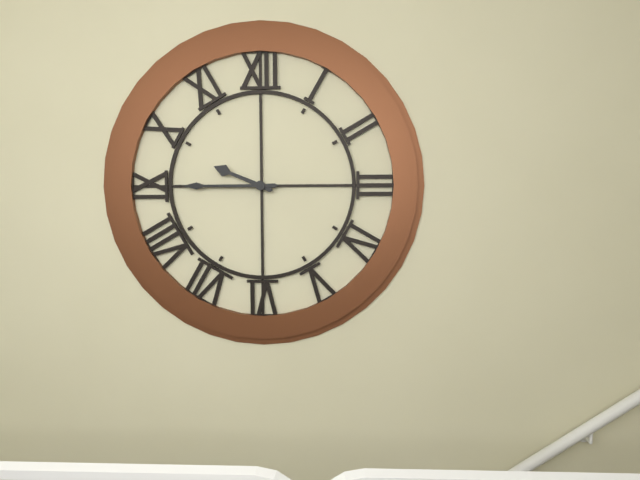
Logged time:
9h45
